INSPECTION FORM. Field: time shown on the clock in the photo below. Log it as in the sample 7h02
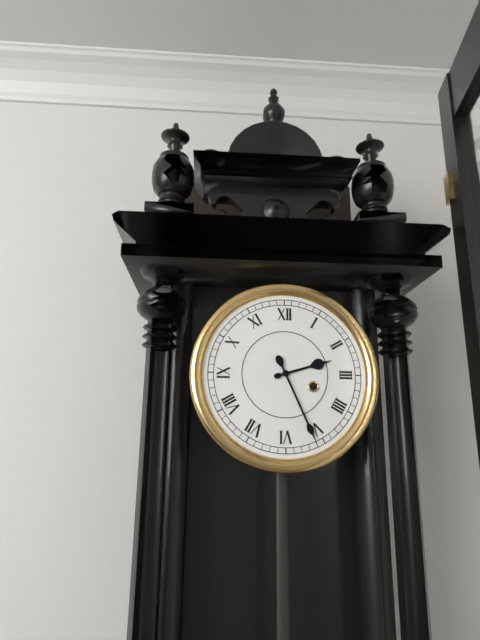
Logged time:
2h26
